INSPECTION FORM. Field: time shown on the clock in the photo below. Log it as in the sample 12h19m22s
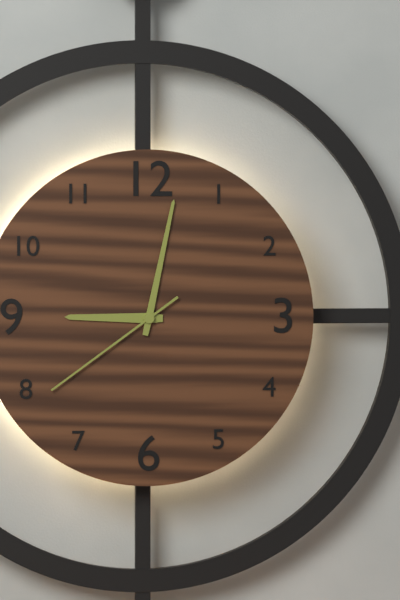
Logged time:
9h02m39s
